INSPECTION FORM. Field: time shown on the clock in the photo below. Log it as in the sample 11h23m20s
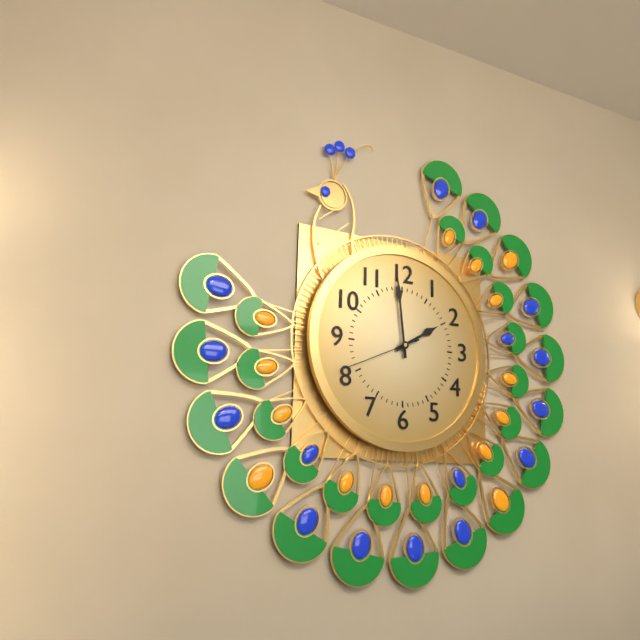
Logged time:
1h59m41s
